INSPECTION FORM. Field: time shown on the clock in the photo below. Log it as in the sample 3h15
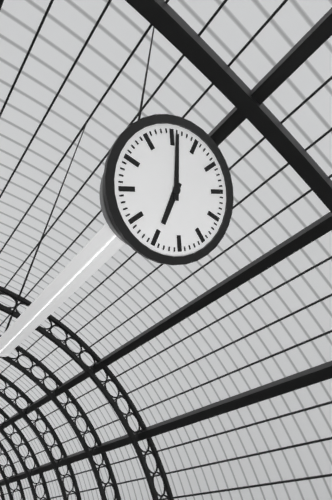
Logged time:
5h56
